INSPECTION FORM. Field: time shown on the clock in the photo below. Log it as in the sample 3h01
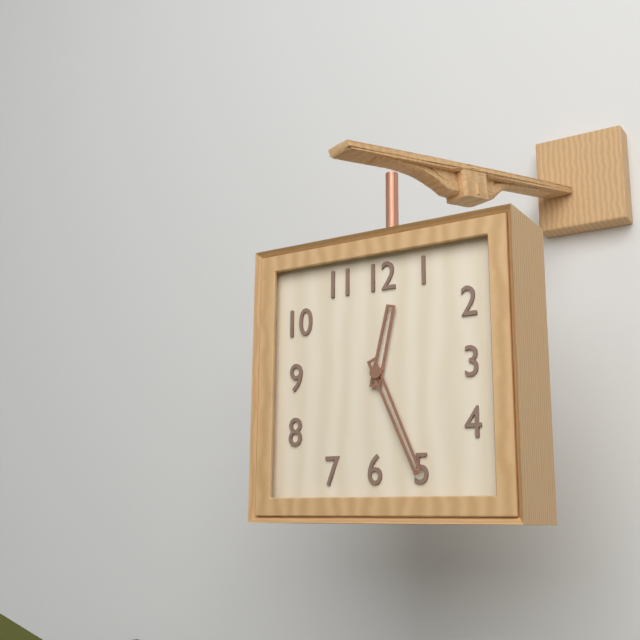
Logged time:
12h26
